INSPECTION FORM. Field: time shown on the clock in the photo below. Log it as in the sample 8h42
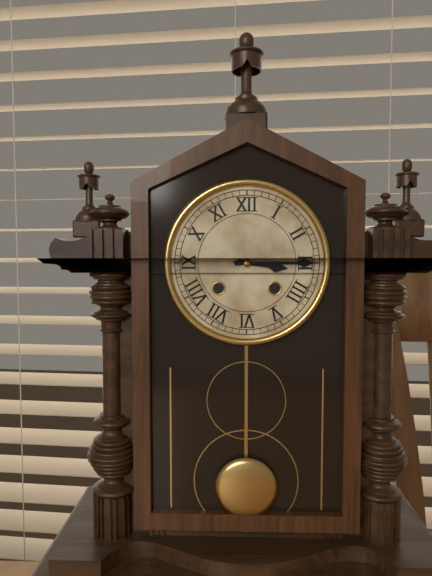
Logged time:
3h15
